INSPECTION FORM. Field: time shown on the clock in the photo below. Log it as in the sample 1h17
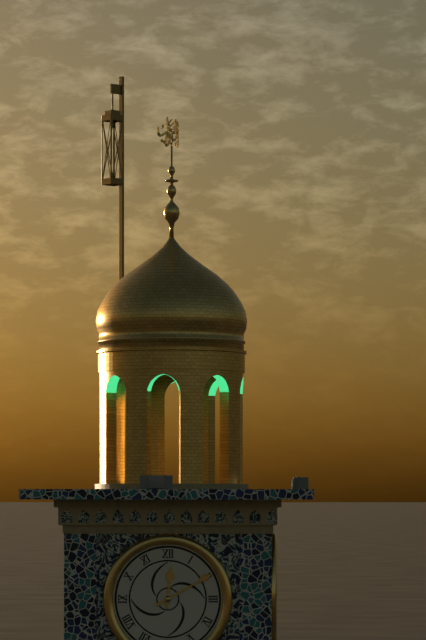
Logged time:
12h10
